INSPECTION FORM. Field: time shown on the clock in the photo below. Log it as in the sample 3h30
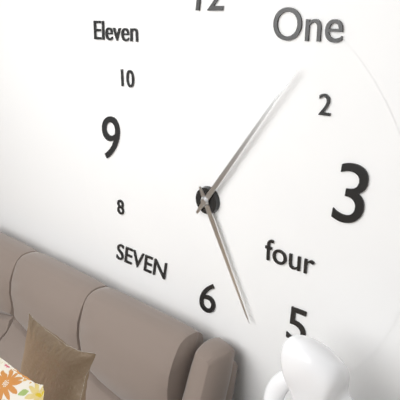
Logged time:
5h06
